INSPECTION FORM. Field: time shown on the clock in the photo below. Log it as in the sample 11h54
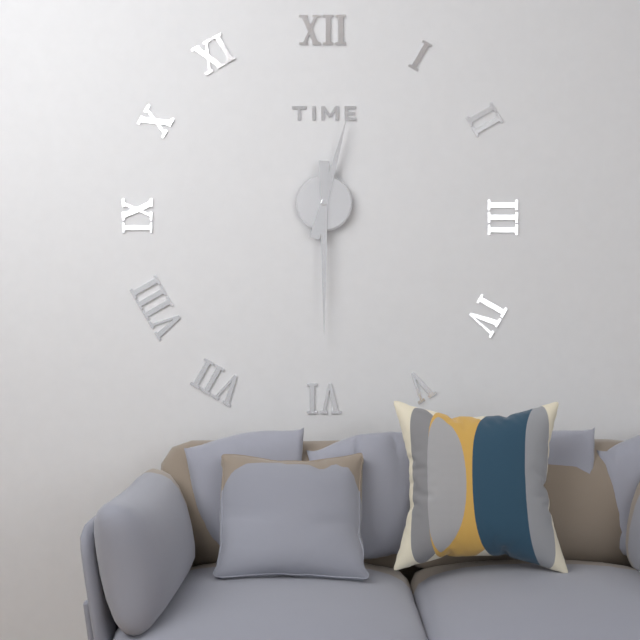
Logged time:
12h30
